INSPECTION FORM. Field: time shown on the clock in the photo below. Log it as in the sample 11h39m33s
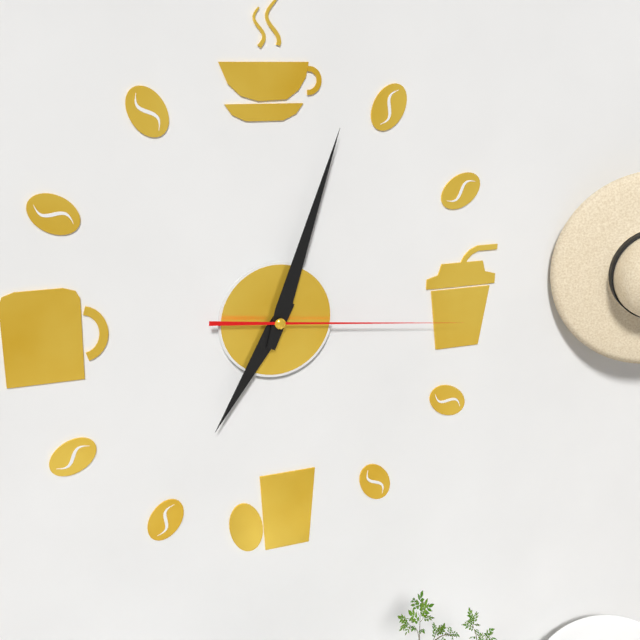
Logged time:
7h03m16s
